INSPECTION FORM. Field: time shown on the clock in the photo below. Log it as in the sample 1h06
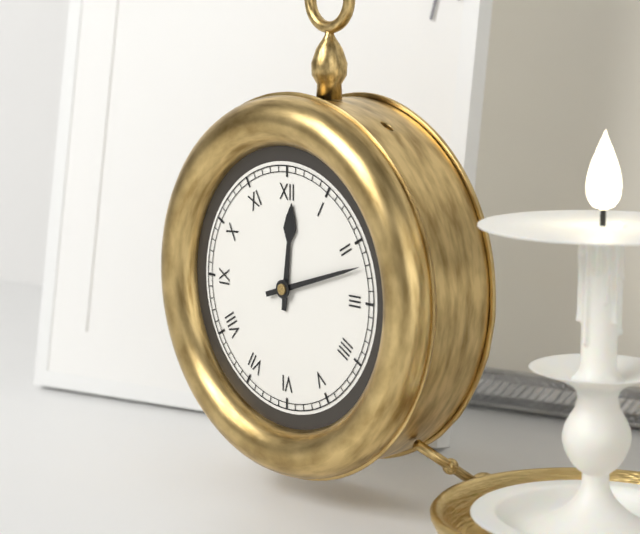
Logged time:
12h12
